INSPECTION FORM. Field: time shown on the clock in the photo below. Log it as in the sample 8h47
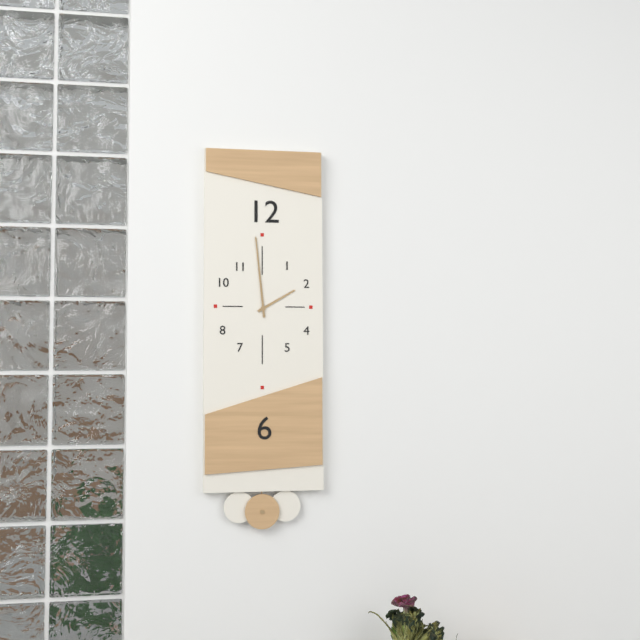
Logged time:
1h59
